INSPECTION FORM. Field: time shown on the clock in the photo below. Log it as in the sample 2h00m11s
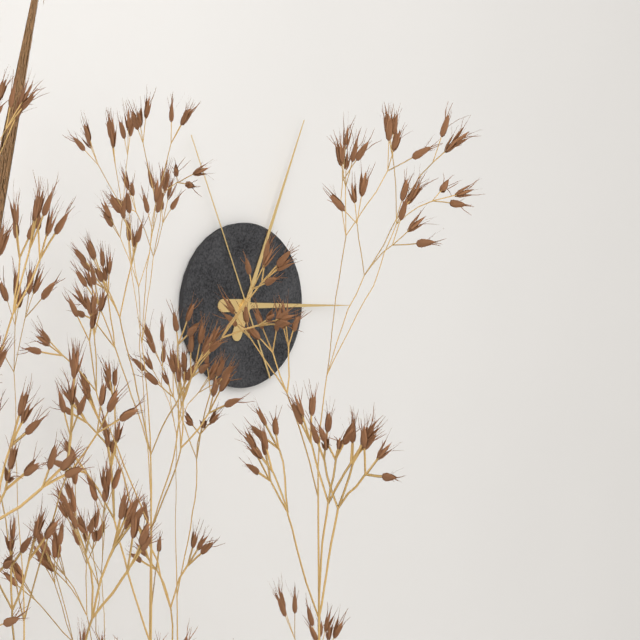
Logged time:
3h04m56s
